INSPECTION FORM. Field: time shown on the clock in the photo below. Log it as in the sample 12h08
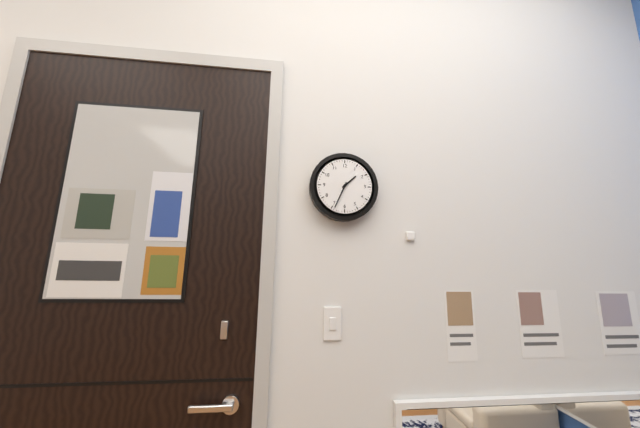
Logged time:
1h34
